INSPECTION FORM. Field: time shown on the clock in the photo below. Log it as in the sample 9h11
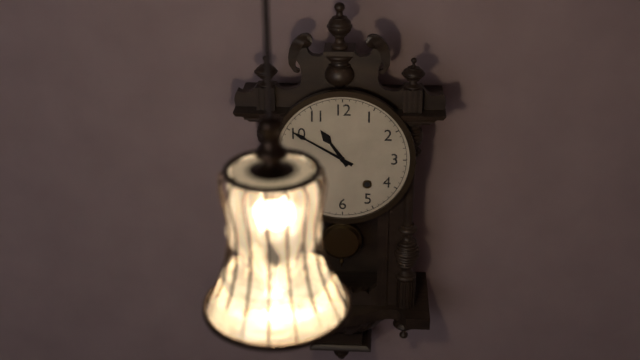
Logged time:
10h50
